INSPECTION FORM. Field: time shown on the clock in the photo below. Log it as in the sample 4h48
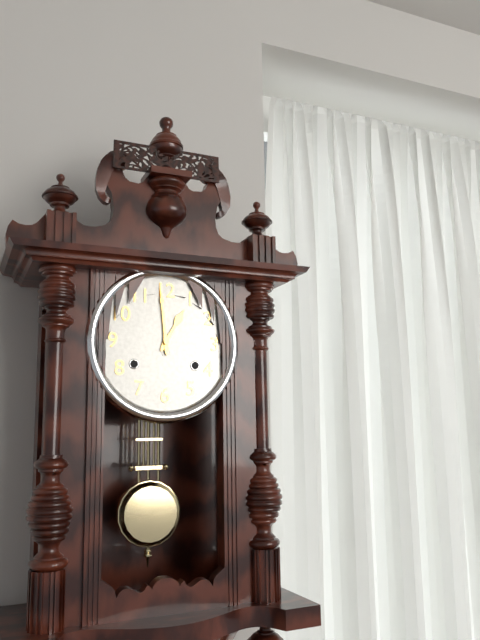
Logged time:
12h59
